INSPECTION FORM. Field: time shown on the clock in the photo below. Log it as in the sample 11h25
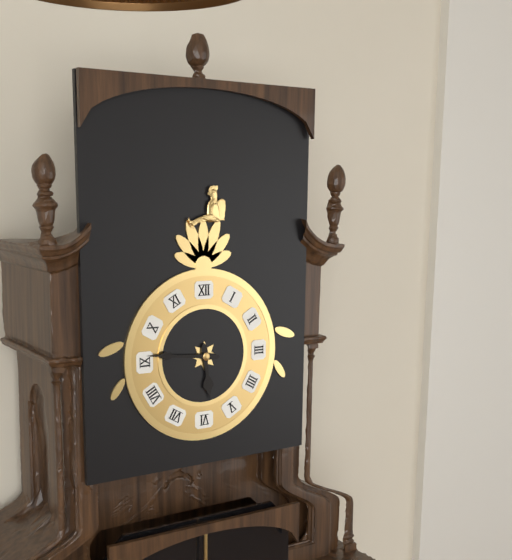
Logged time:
5h46
